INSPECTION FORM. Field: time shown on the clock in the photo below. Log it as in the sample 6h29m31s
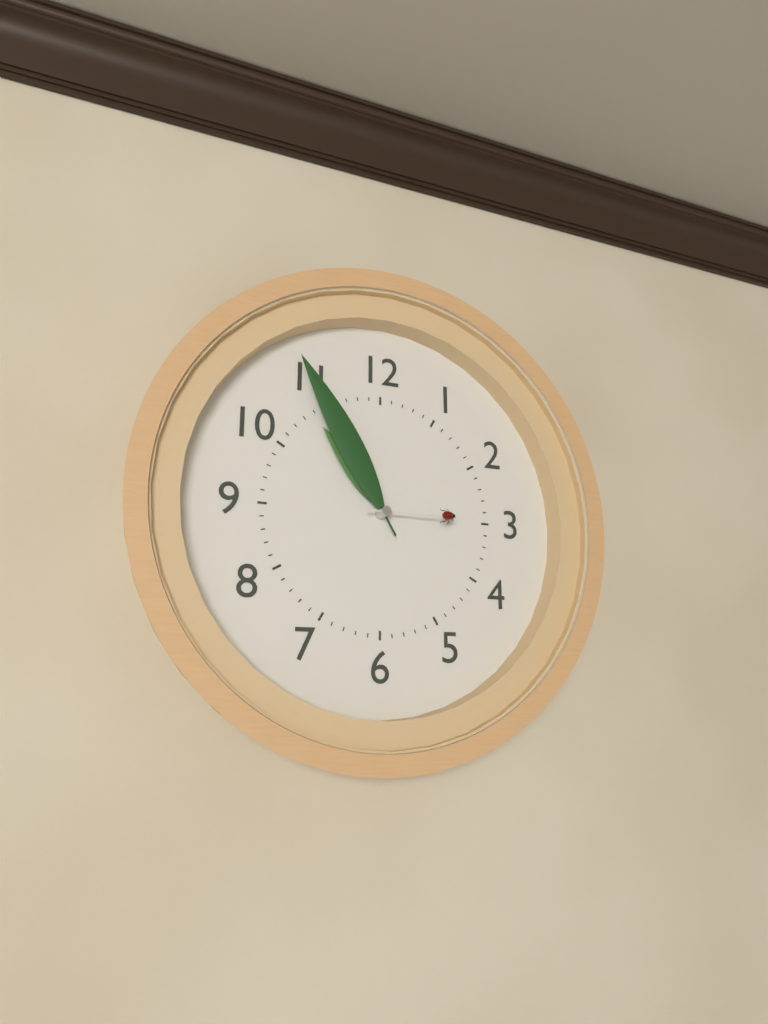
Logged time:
10h55m15s
